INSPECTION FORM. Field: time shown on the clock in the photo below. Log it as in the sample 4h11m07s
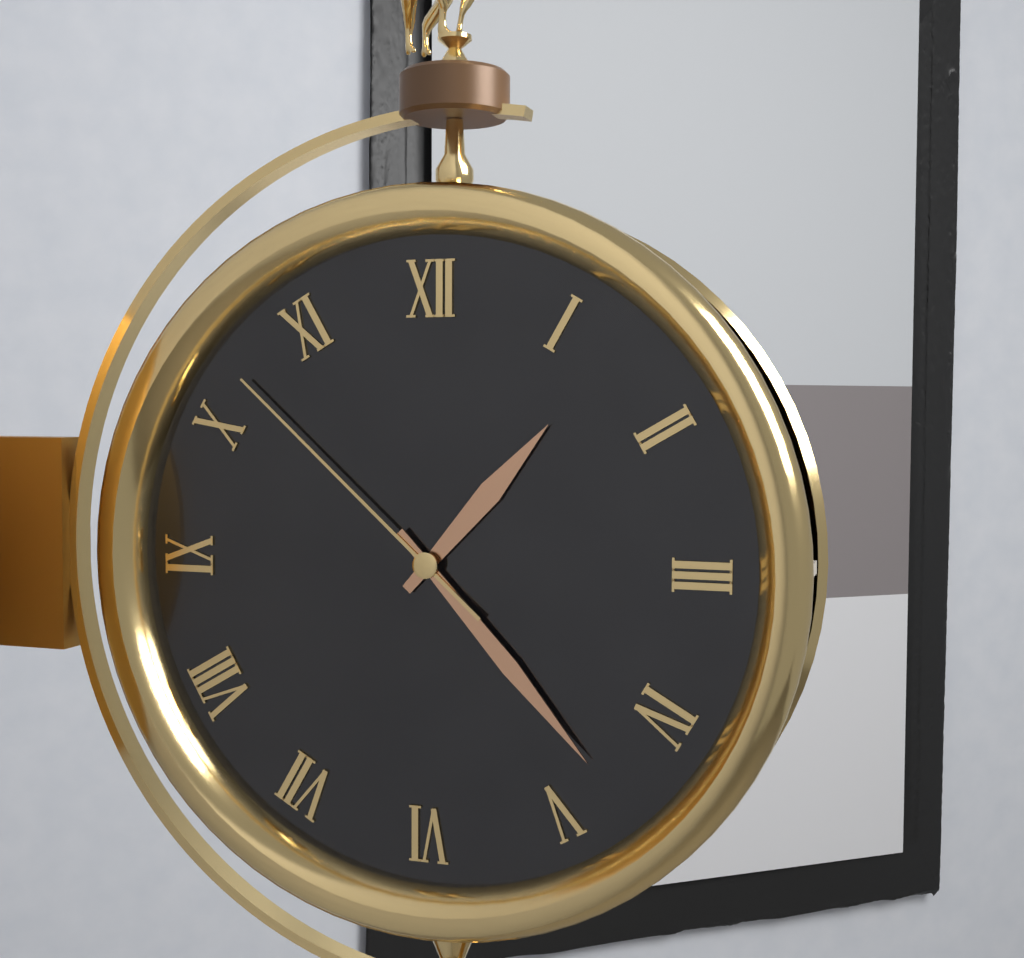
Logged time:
1h23m52s
